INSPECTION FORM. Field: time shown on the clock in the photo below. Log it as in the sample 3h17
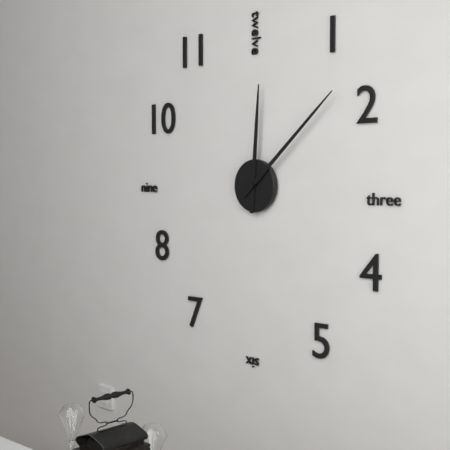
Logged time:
12h08
